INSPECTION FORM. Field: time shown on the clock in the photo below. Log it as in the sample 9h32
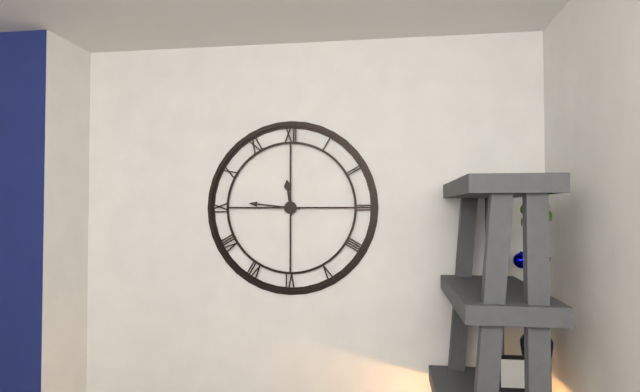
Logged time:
11h46
